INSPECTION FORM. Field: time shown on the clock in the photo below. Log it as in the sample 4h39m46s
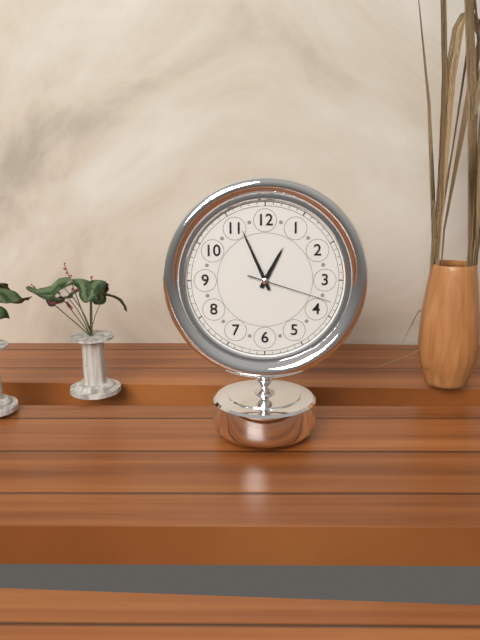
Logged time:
12h56m18s
